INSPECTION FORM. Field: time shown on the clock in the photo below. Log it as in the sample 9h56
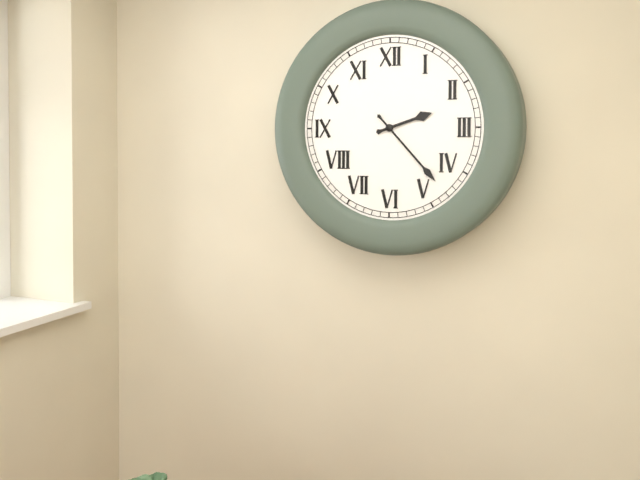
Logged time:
2h23
